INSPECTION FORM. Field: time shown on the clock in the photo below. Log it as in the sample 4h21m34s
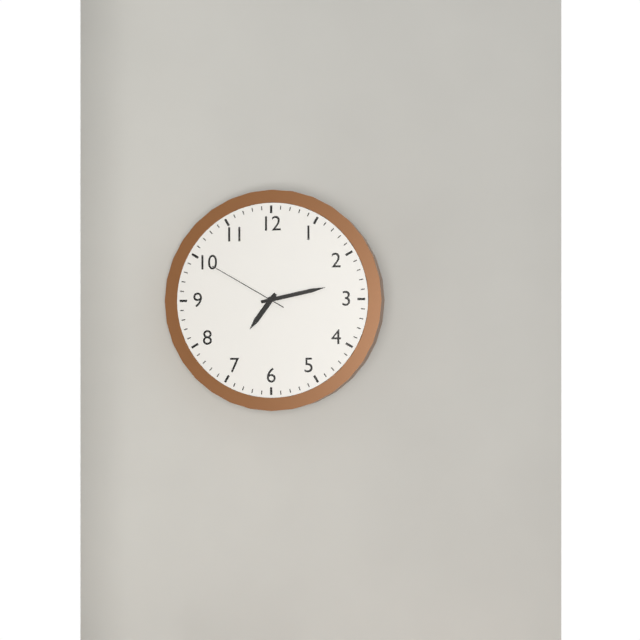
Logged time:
7h13m50s
